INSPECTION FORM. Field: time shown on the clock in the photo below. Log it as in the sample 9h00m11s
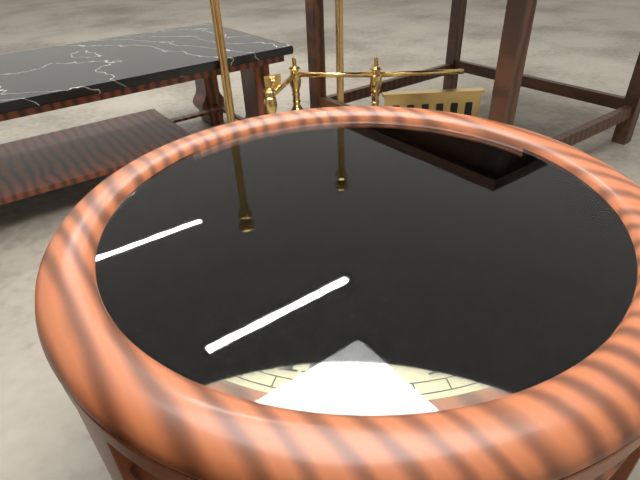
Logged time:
2h32m01s
